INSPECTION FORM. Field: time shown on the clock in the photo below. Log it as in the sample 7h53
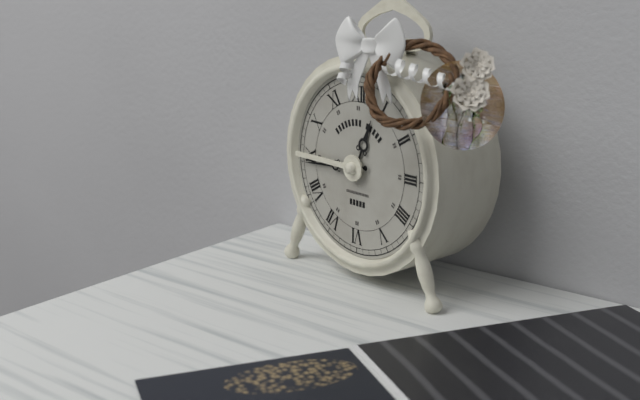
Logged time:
12h44
